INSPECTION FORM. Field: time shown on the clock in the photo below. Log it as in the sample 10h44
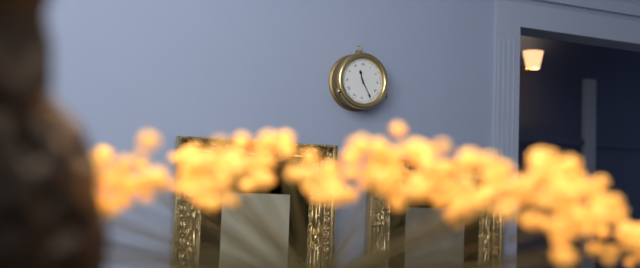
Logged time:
11h25
